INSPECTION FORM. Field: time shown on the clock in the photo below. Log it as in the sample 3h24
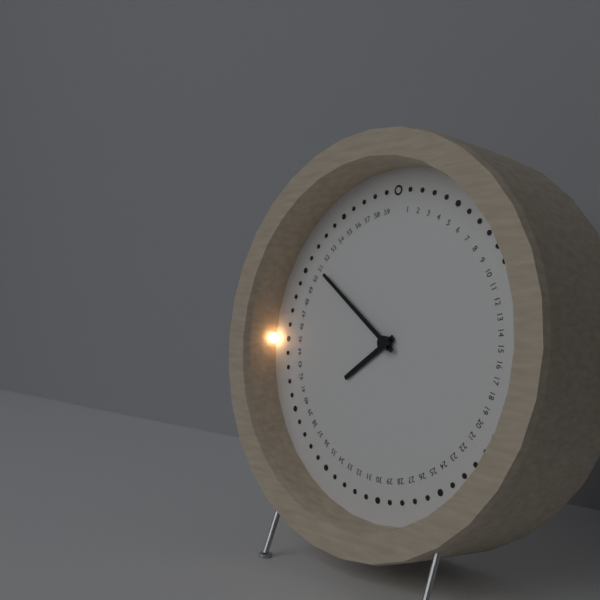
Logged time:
7h51
